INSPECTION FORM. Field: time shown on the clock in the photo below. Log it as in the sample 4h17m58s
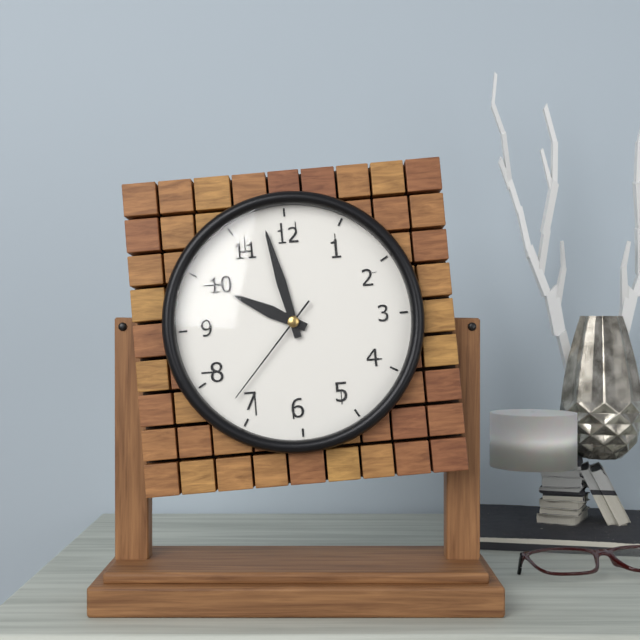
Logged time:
9h58m37s
